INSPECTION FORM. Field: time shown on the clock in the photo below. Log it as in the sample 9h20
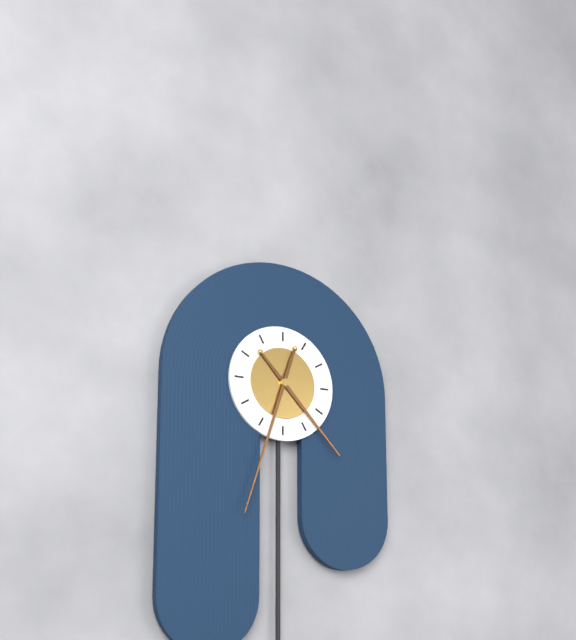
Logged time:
4h33
